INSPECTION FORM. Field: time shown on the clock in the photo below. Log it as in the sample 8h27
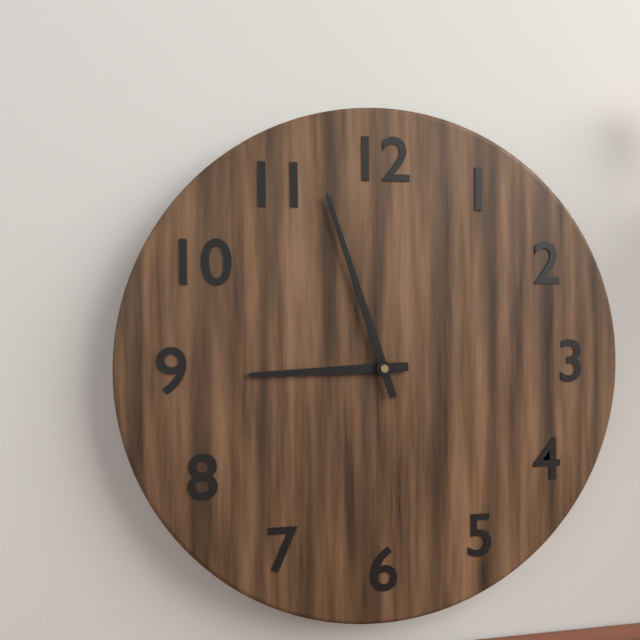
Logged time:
8h57
